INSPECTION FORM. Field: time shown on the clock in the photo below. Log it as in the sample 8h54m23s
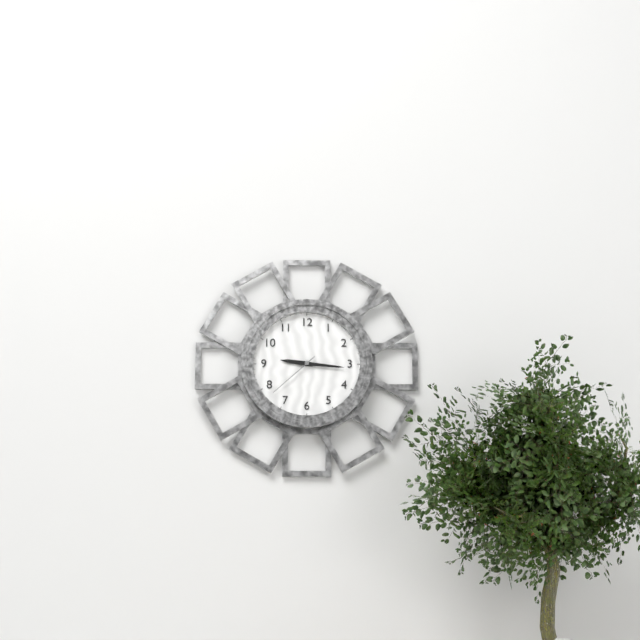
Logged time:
9h16m38s
